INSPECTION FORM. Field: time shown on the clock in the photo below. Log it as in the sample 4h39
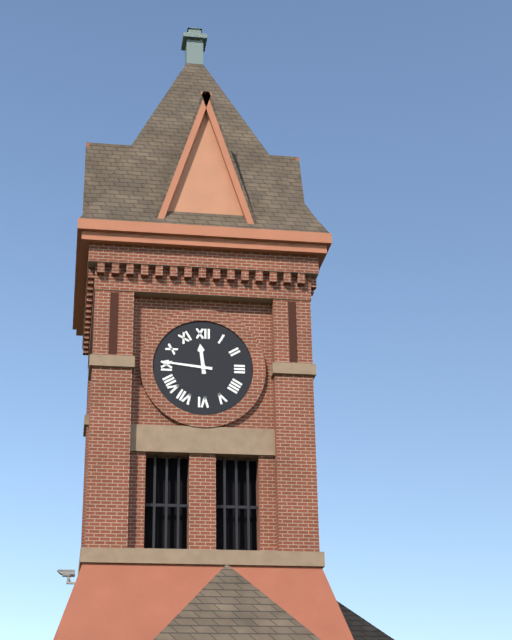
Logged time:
11h46
